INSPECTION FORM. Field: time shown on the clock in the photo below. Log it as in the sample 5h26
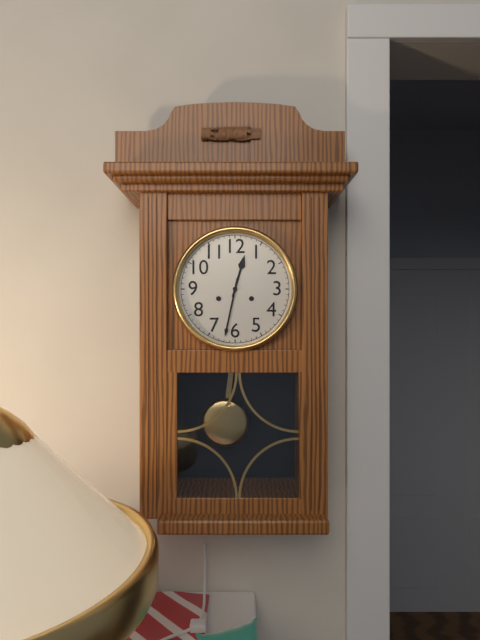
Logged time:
12h32
